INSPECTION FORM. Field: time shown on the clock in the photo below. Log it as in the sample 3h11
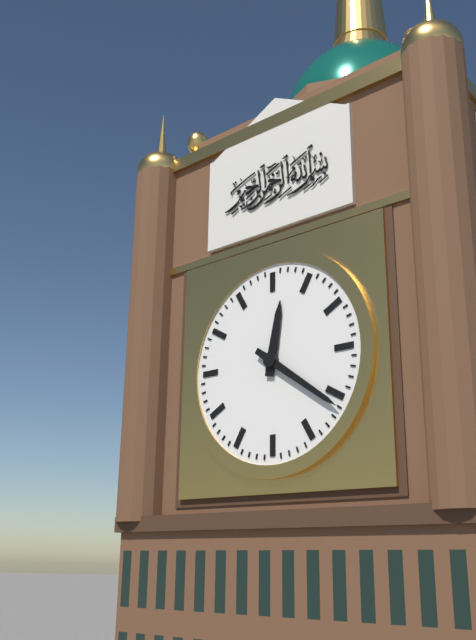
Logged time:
12h21
